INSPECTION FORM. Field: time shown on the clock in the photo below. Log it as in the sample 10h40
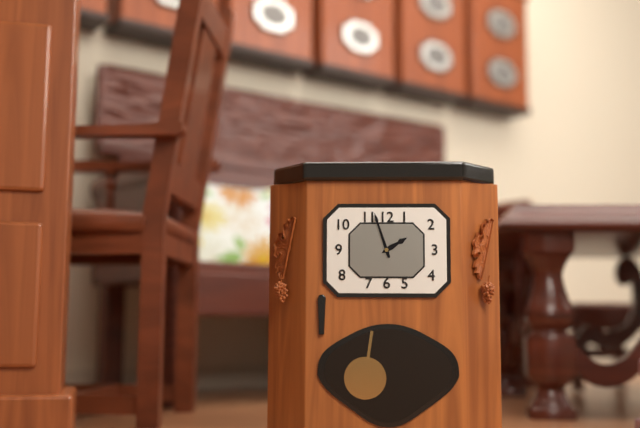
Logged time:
1h57
